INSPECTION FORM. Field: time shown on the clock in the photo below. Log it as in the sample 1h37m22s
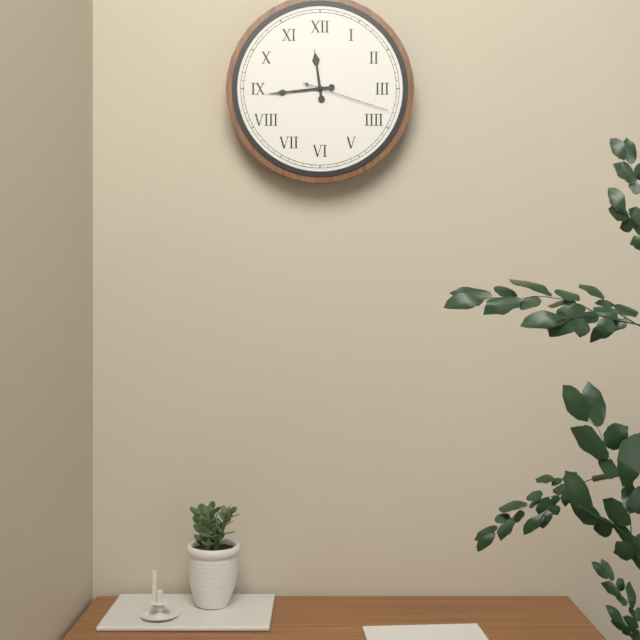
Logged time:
11h44m18s
